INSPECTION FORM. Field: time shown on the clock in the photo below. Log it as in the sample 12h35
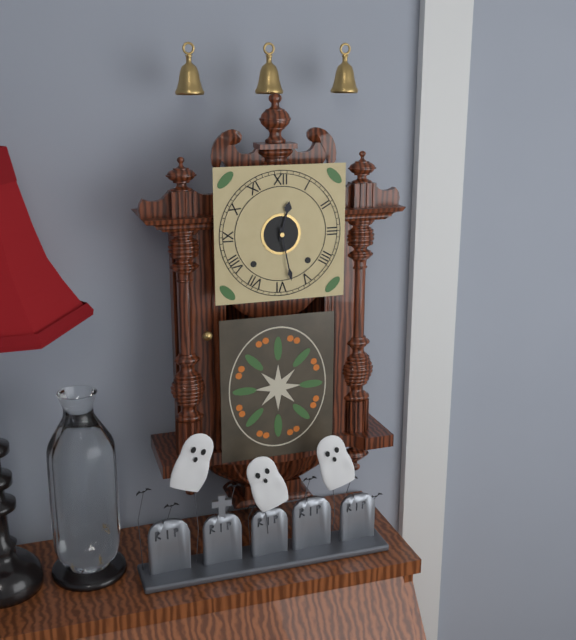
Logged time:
12h28
